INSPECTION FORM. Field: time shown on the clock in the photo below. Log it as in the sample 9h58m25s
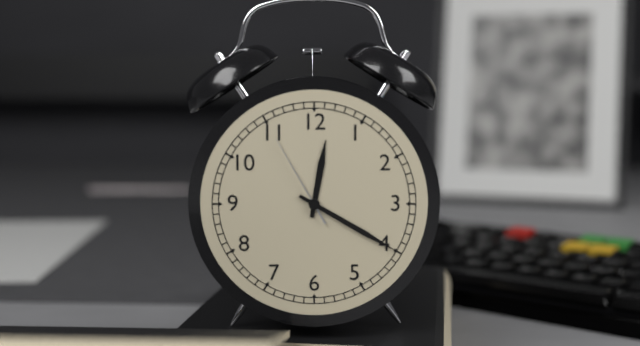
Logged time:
12h20m55s
